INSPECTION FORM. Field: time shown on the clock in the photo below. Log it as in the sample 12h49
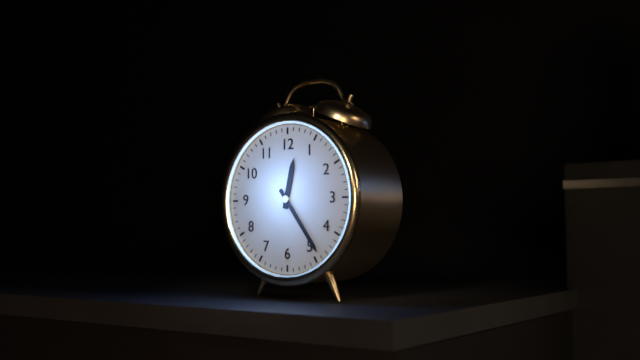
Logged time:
12h24
